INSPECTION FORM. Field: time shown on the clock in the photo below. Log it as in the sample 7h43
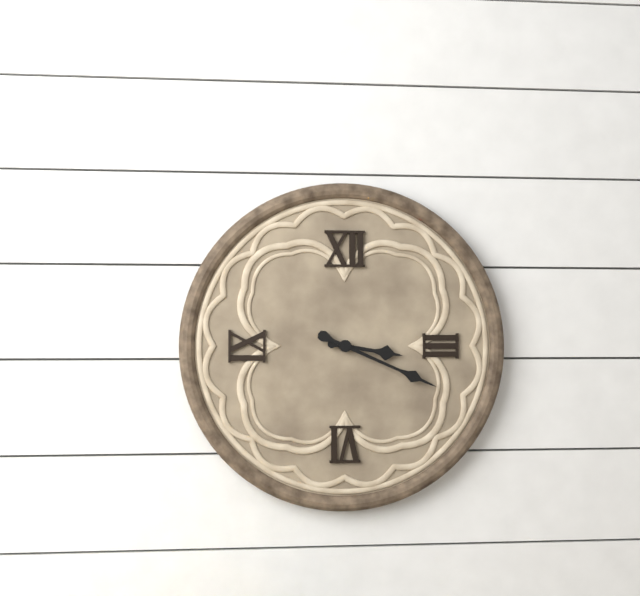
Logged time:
3h19
